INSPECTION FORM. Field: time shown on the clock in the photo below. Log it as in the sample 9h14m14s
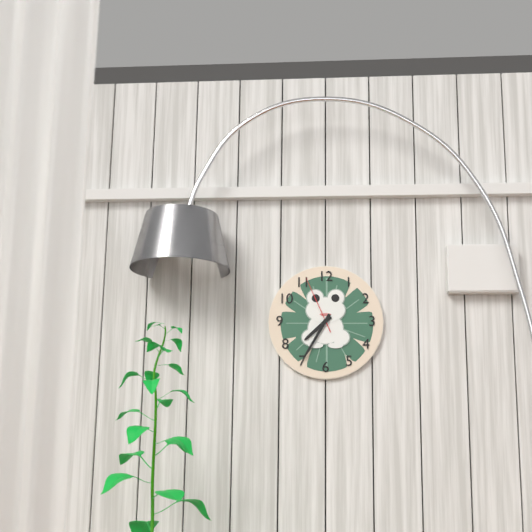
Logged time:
7h35m56s
